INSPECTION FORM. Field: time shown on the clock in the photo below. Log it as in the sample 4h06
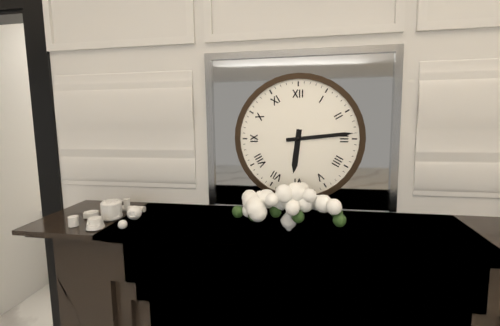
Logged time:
6h14
